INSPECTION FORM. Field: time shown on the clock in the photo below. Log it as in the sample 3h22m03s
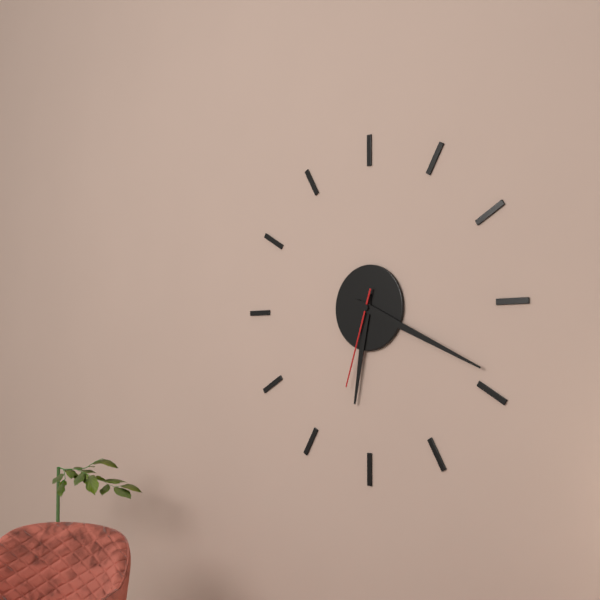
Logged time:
6h19m33s
